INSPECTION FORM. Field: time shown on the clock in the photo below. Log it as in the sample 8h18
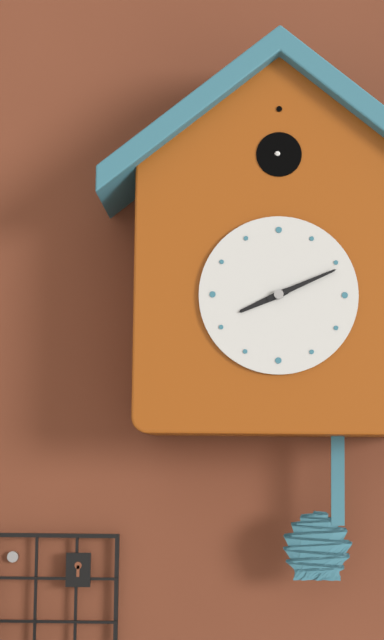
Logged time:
8h11
